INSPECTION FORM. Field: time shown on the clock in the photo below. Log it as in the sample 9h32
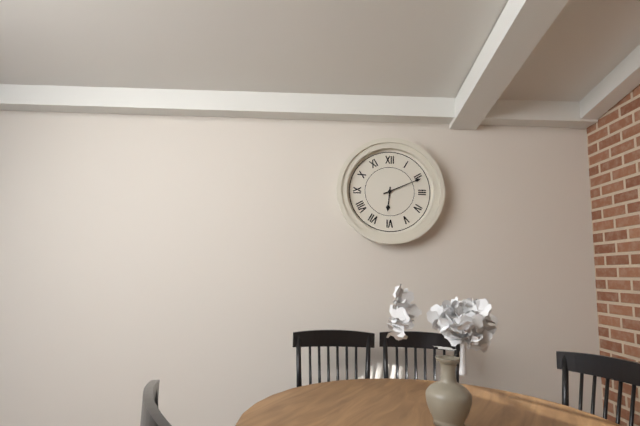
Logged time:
6h11
